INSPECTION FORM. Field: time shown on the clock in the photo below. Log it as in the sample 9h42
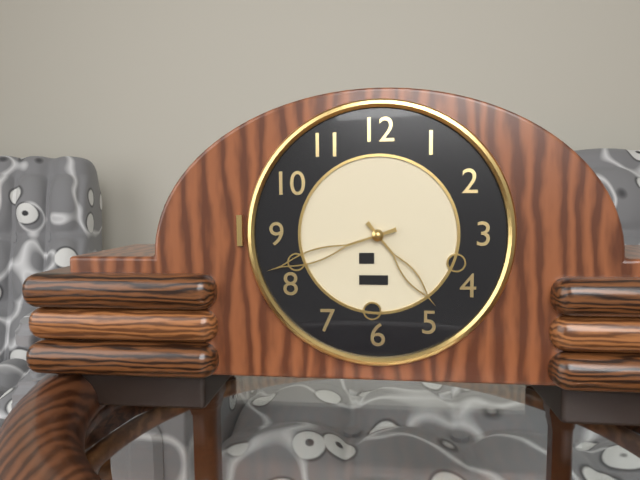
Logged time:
4h42
